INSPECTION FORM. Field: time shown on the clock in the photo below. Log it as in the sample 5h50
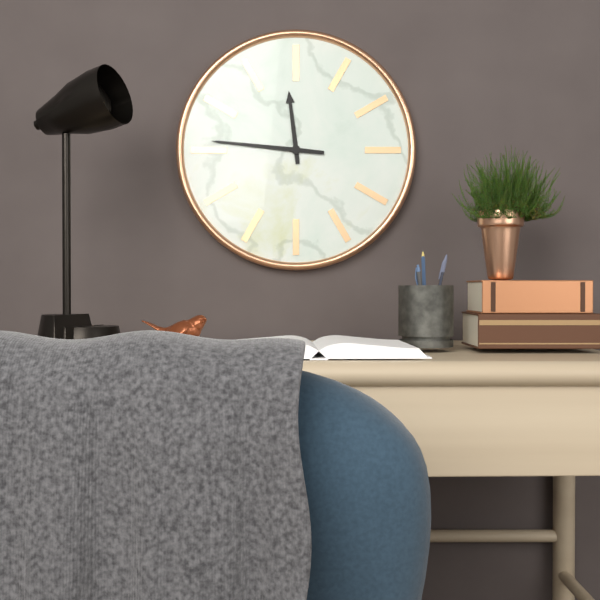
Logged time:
11h46
